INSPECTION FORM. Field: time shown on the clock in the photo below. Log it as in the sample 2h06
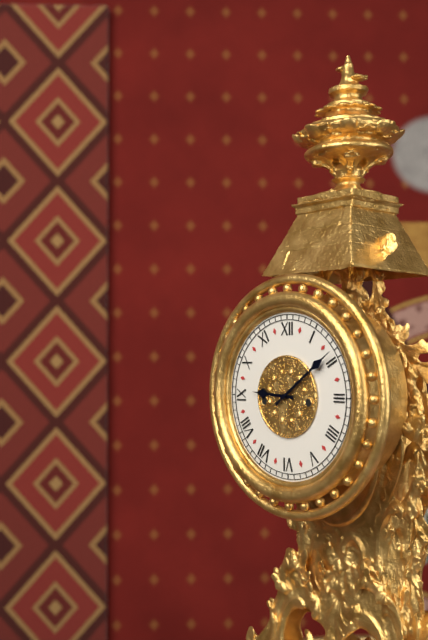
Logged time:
9h09
